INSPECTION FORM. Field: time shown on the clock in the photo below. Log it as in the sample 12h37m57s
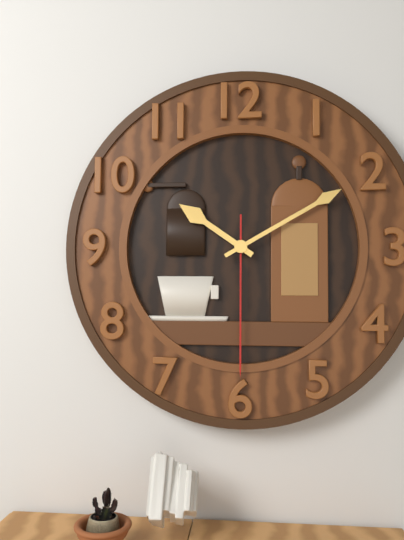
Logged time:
10h10m30s
